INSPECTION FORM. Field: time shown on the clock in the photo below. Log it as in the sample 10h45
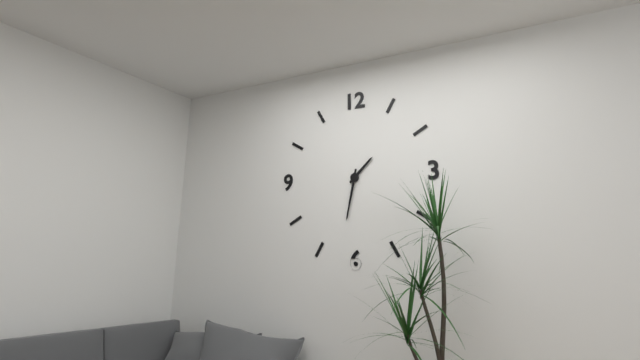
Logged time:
1h32
